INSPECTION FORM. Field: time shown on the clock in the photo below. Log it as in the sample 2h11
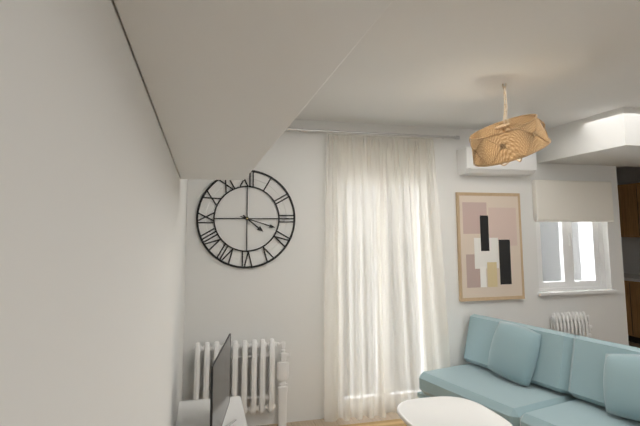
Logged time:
4h18
